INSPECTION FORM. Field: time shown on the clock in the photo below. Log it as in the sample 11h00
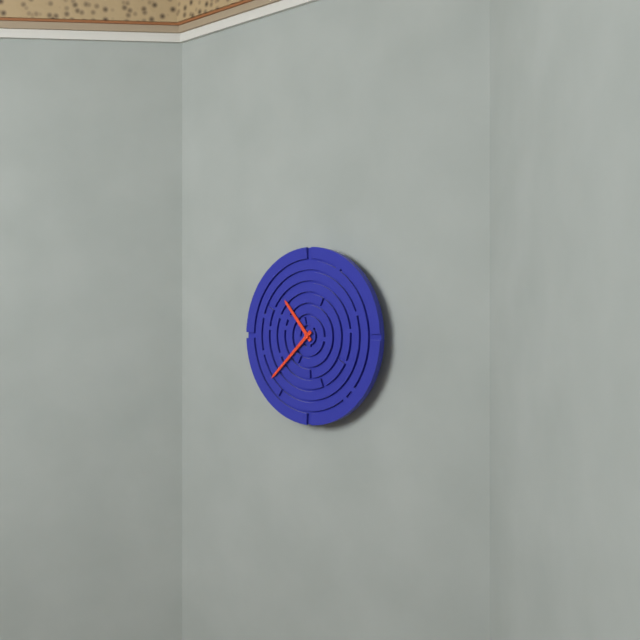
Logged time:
10h38
